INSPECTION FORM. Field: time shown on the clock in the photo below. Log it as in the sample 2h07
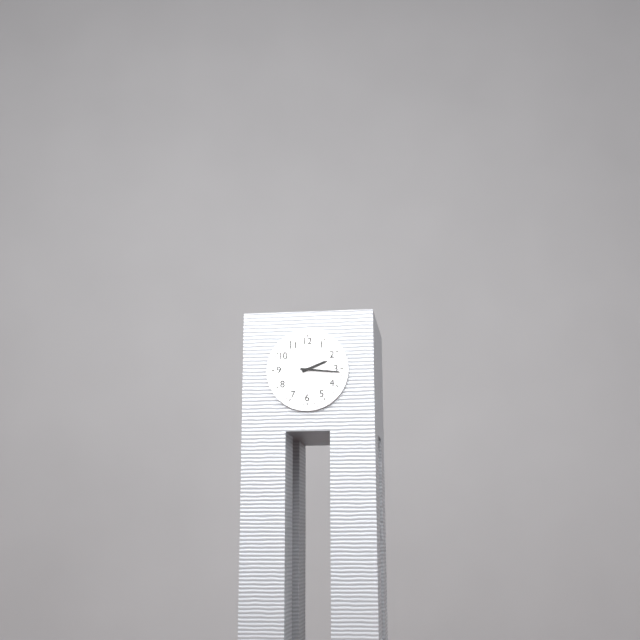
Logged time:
2h16
